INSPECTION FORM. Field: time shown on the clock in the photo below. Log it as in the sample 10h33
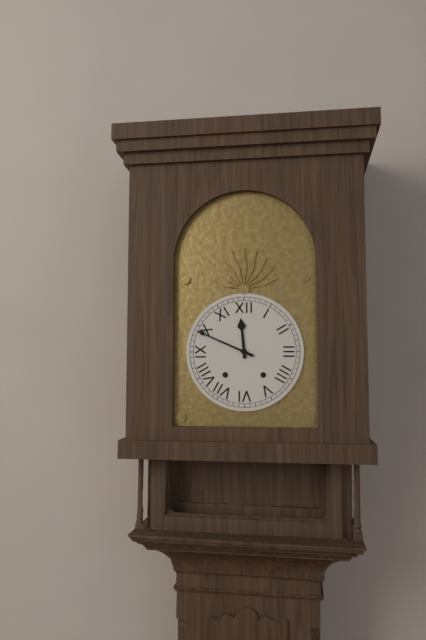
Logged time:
11h49
